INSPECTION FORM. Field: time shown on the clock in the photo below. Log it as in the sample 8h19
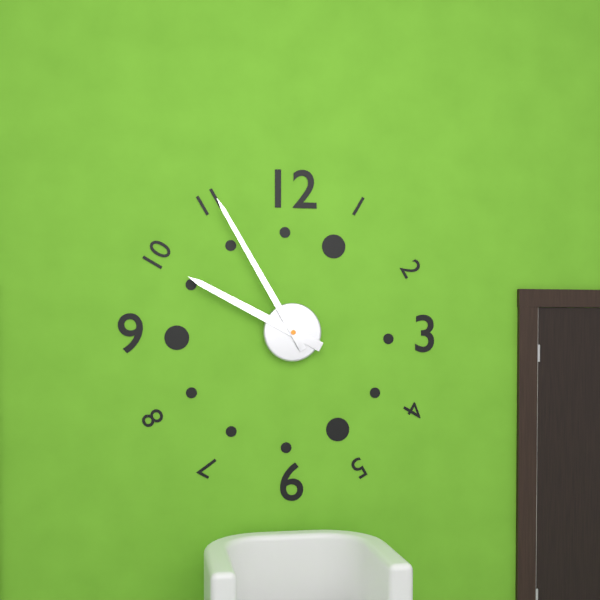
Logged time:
9h55
